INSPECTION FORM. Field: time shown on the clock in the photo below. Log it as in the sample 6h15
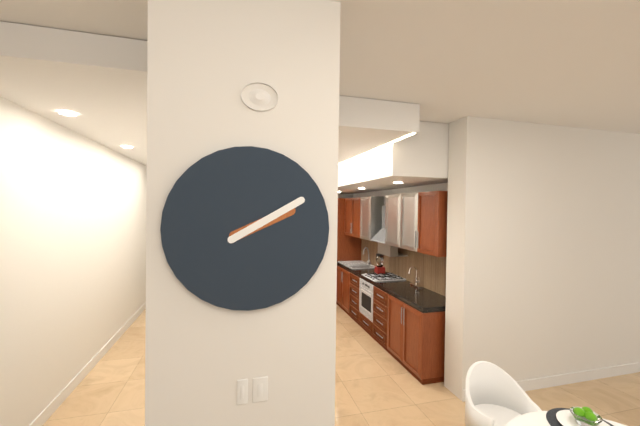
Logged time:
2h10
